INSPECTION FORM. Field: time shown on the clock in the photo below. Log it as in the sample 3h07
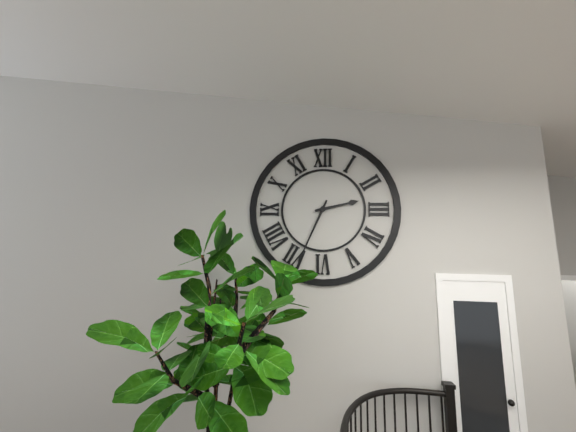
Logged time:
2h34
